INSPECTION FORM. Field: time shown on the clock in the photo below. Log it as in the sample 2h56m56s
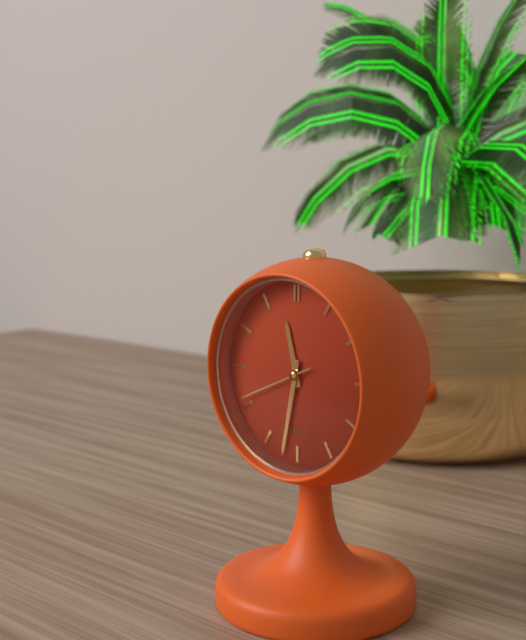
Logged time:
11h32m41s
